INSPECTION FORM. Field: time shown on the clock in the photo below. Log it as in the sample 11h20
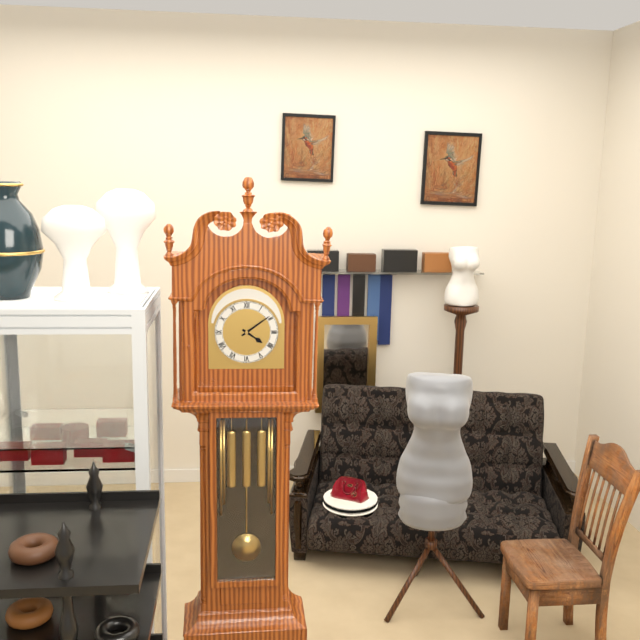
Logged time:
4h09
